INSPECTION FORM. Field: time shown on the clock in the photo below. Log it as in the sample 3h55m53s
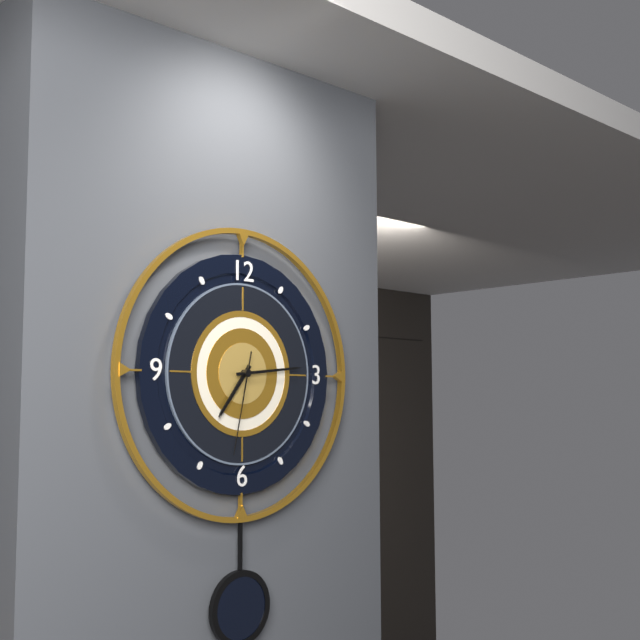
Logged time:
7h14m32s
